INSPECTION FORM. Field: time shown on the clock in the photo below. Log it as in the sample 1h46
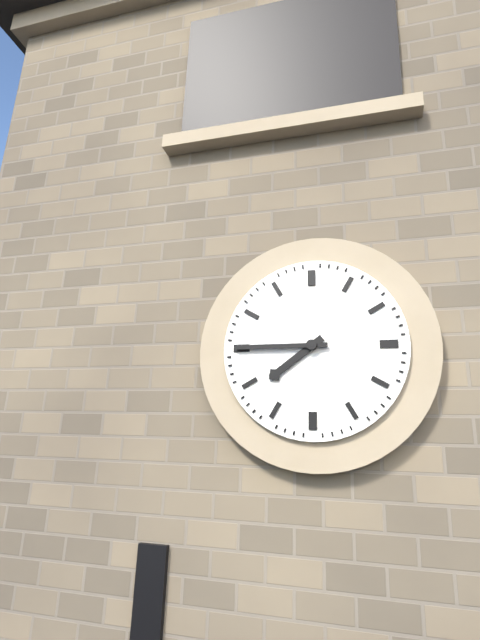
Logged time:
7h45
